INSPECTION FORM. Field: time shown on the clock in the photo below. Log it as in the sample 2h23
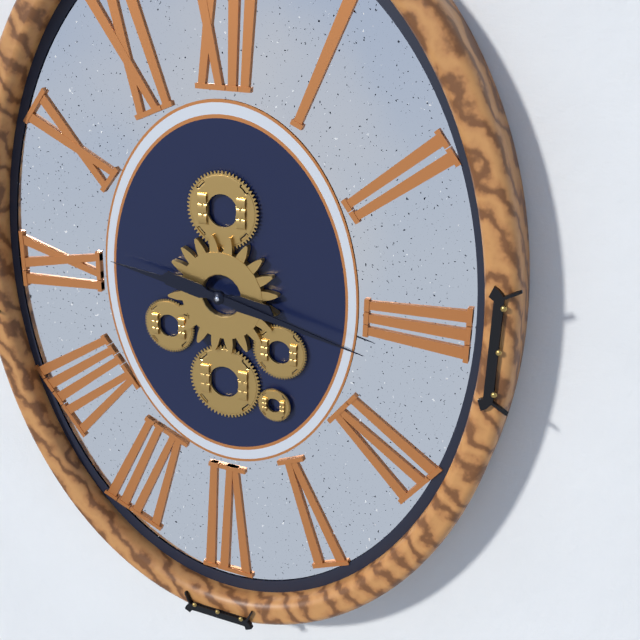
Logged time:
9h17
